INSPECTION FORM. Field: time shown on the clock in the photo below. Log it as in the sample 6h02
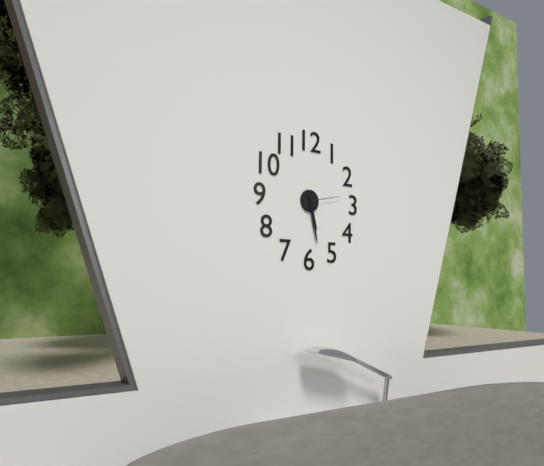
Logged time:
5h28
